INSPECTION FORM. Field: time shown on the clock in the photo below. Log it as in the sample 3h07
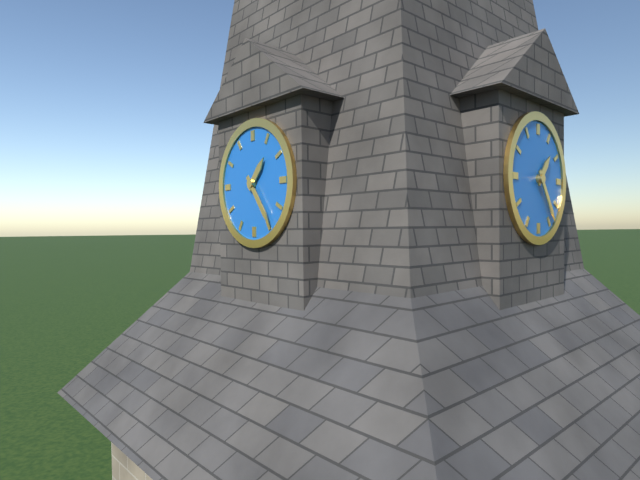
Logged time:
1h24
